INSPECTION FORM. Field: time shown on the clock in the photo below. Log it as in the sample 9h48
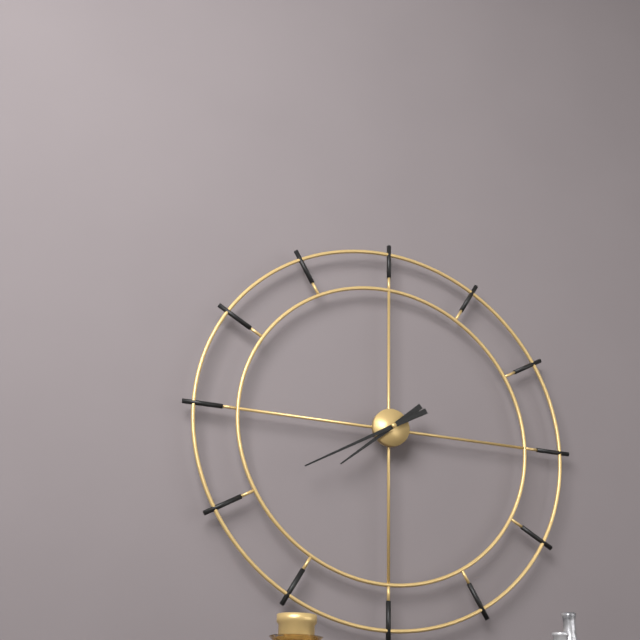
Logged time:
7h40
